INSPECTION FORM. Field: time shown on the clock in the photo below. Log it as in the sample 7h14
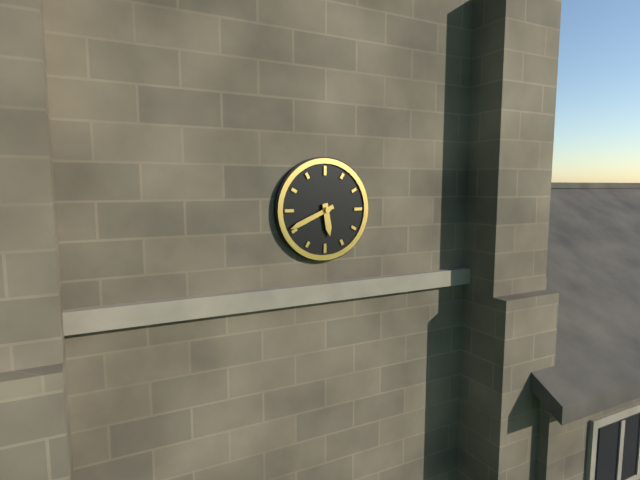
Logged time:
5h41
